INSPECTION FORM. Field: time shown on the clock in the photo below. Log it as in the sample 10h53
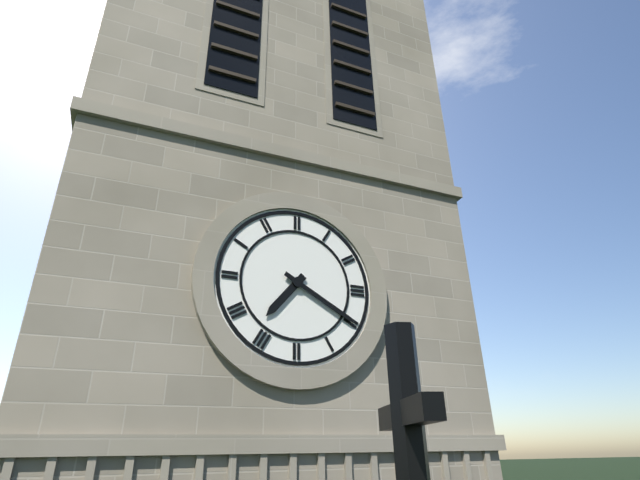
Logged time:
7h20
